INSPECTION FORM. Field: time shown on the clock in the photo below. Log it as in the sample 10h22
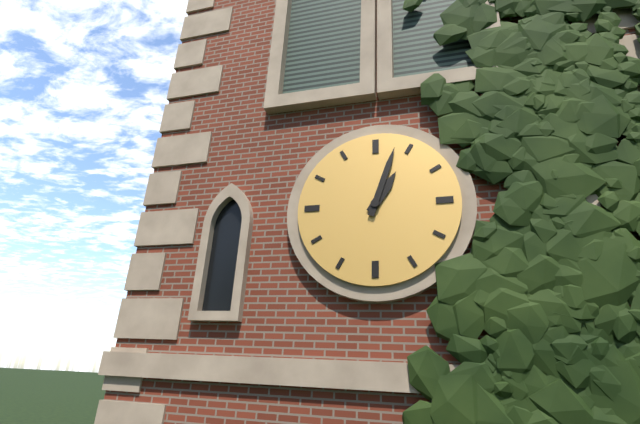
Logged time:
1h03
